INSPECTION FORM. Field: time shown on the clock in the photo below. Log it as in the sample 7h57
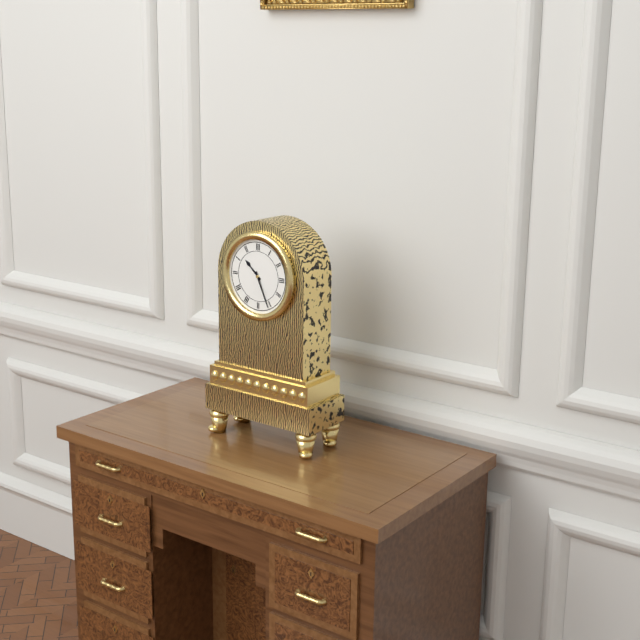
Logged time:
10h26
